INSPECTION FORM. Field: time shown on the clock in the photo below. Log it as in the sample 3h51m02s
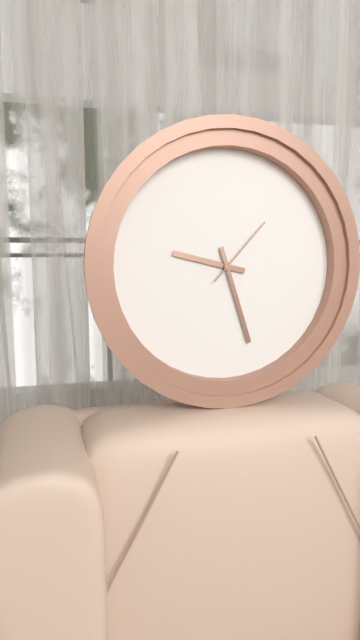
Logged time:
9h27m07s
